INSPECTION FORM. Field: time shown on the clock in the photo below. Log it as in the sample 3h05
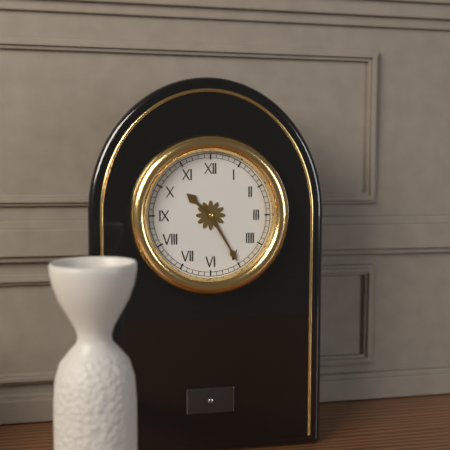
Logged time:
10h25
